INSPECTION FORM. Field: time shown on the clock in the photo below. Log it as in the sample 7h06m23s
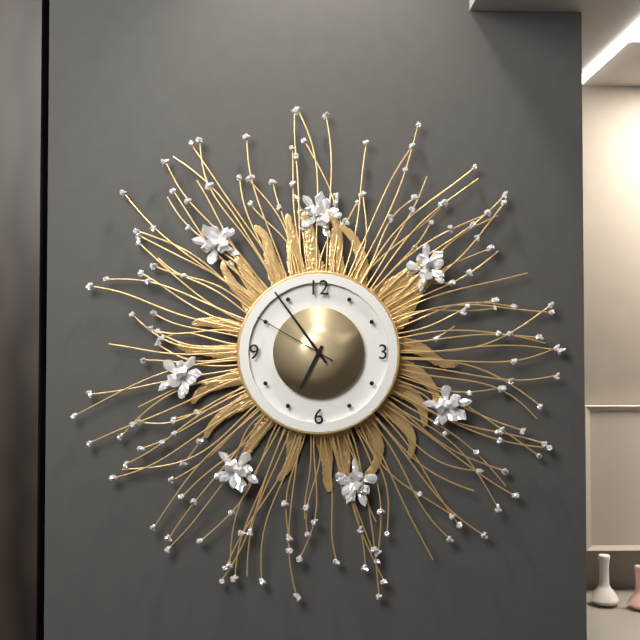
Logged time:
6h54m50s
